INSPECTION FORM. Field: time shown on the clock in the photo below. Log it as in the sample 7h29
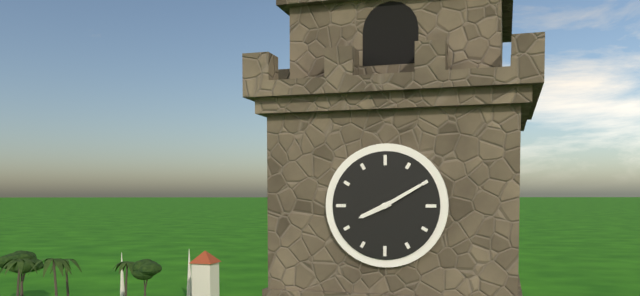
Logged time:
8h10
